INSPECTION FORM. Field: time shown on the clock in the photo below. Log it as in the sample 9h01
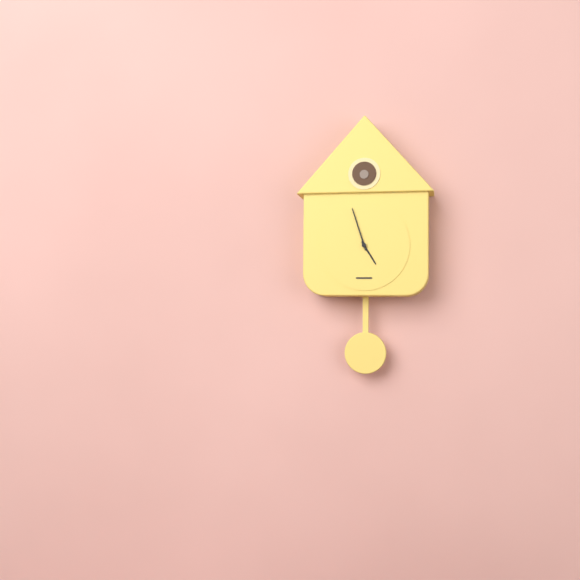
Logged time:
4h57
